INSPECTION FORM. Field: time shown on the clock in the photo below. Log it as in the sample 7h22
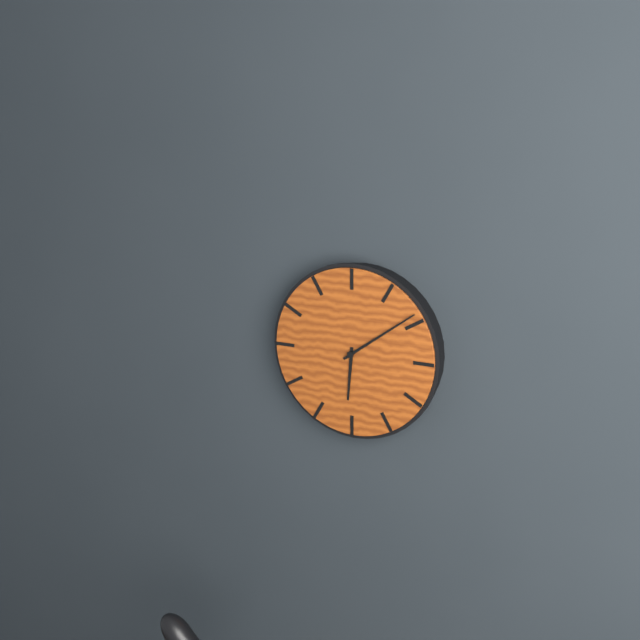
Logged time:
6h09
